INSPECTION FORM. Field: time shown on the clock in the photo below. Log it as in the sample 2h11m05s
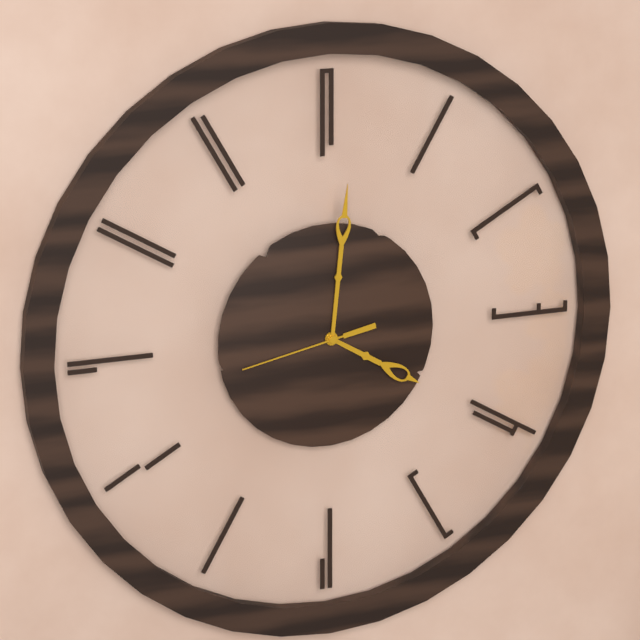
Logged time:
4h01m43s
